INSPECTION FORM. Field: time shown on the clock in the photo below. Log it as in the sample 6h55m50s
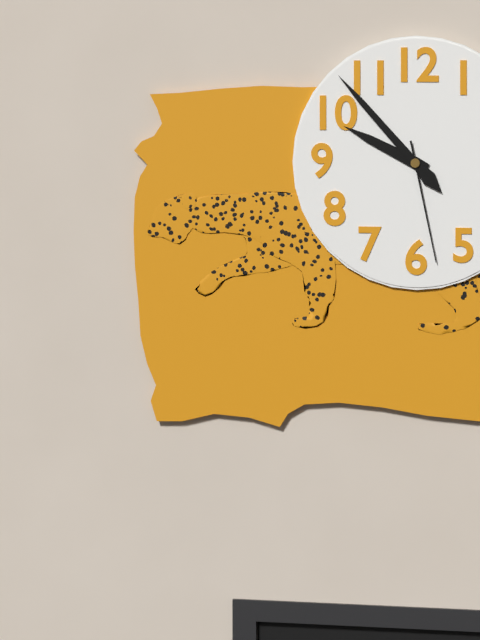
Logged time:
9h53m28s
